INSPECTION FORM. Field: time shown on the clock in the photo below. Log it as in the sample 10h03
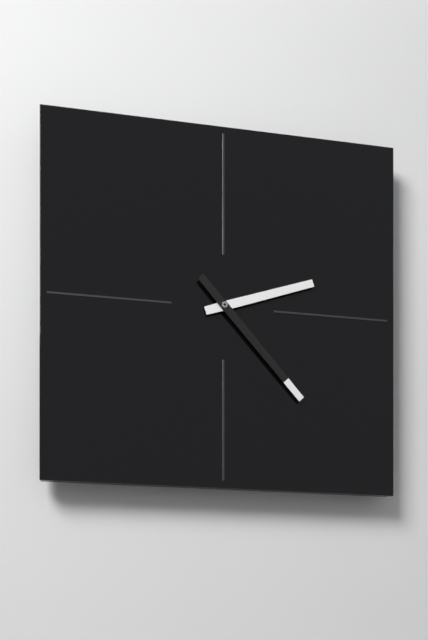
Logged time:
2h23
